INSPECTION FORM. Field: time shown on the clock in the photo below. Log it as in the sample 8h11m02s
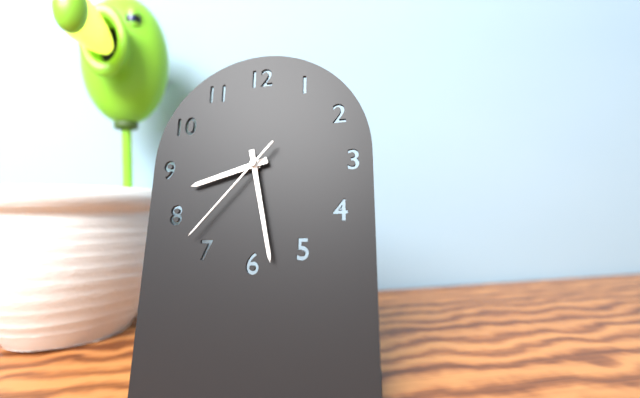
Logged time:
8h28m37s
